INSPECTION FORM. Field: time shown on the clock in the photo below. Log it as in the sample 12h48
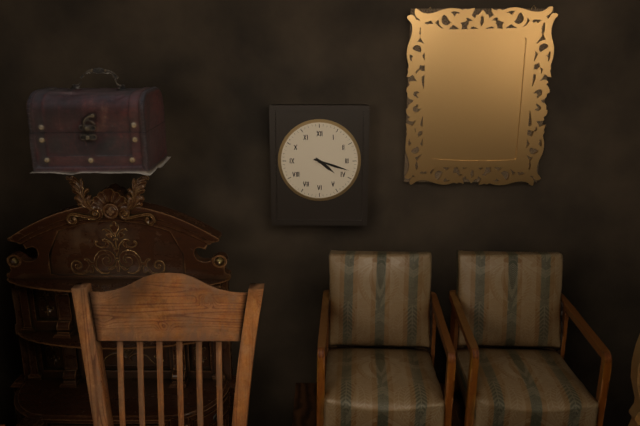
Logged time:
4h18
